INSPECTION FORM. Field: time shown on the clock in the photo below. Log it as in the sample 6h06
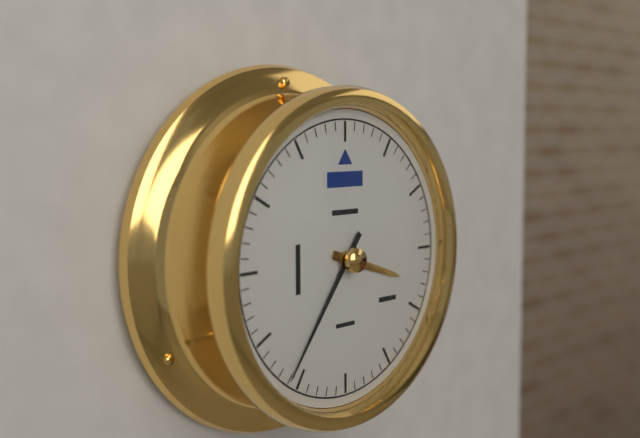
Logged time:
3h36
